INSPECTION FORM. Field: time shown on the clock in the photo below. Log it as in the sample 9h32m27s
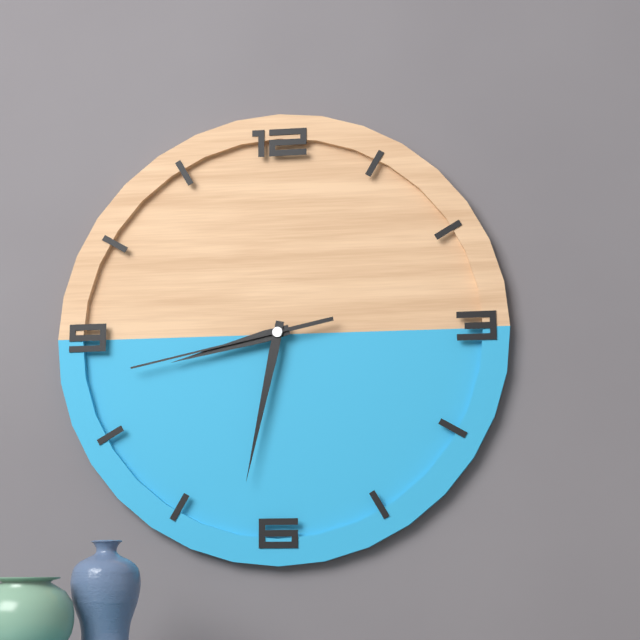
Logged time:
8h32m43s
